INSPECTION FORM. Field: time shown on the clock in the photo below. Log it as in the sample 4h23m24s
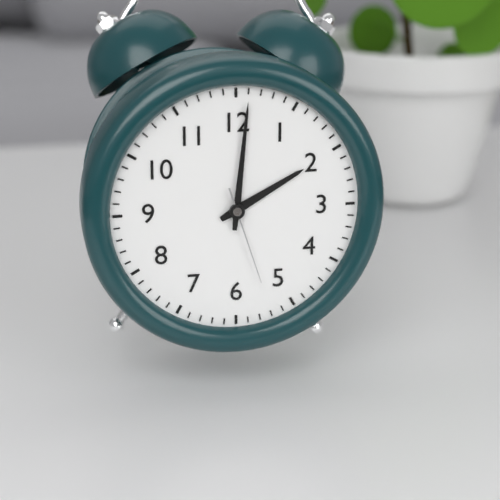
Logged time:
2h01m27s
